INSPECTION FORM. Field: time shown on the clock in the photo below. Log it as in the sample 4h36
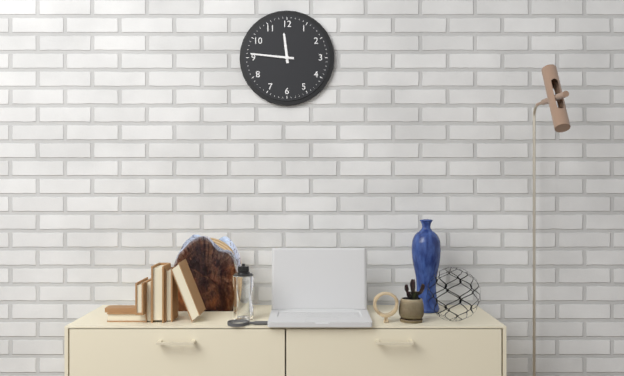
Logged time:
11h46
